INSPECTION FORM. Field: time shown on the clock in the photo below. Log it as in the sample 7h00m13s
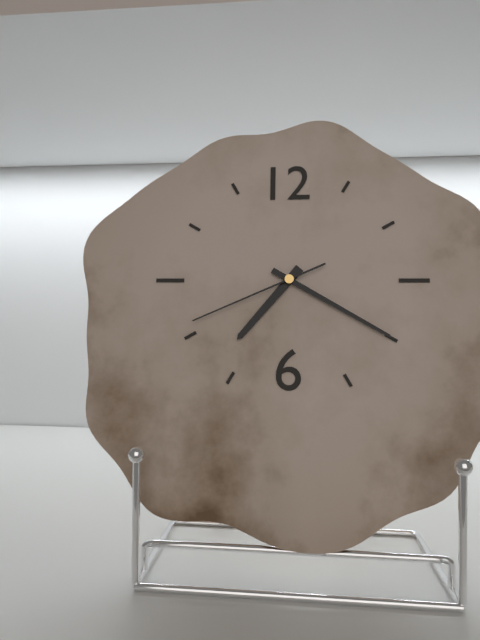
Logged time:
7h20m41s
